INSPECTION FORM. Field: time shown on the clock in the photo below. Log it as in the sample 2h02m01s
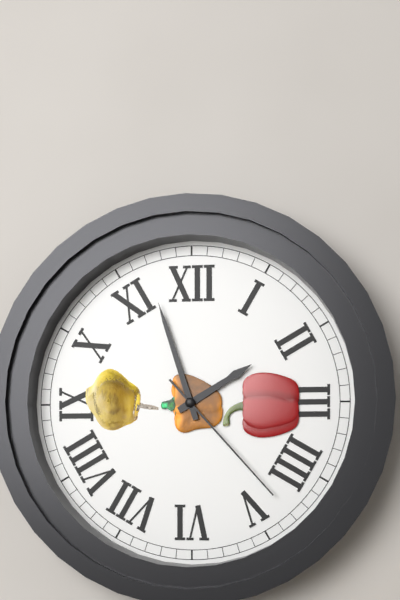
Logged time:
1h57m23s
